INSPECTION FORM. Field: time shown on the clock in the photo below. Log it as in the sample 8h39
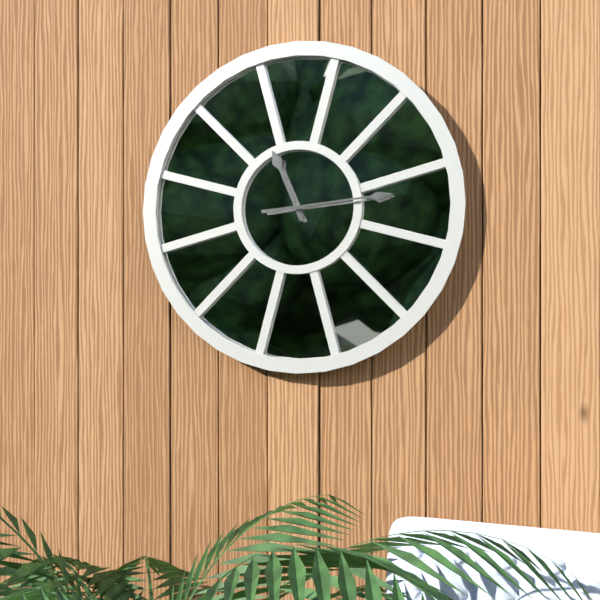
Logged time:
11h14
